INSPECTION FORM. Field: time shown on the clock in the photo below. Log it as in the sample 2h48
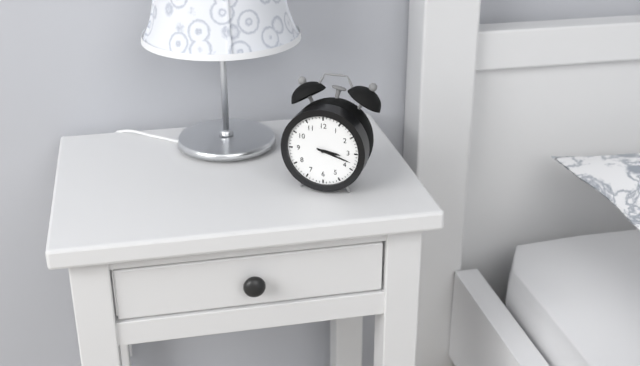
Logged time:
3h18
